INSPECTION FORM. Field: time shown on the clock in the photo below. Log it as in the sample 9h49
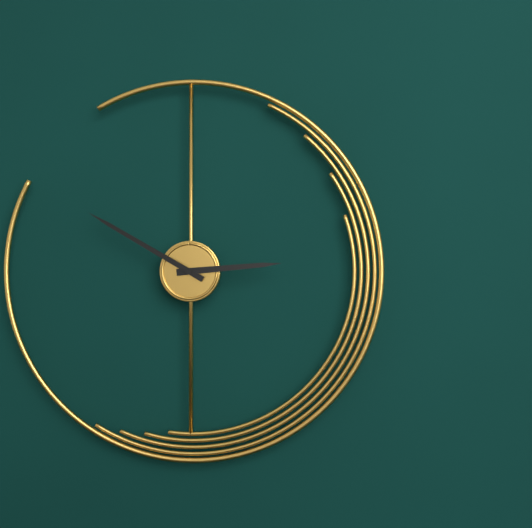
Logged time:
2h50
